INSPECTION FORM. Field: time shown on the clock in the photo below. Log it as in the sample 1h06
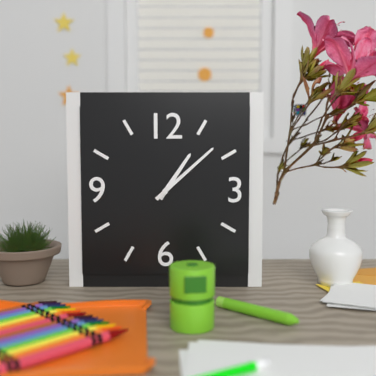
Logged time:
1h08
